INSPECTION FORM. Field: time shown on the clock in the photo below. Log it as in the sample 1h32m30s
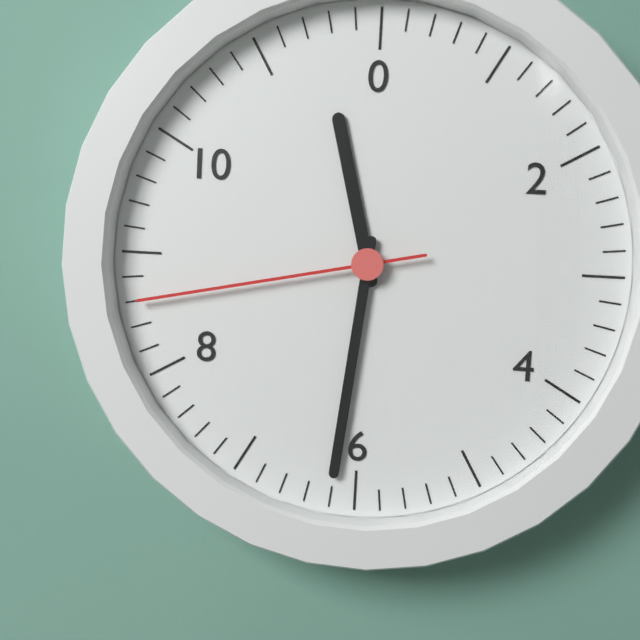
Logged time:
11h31m43s
